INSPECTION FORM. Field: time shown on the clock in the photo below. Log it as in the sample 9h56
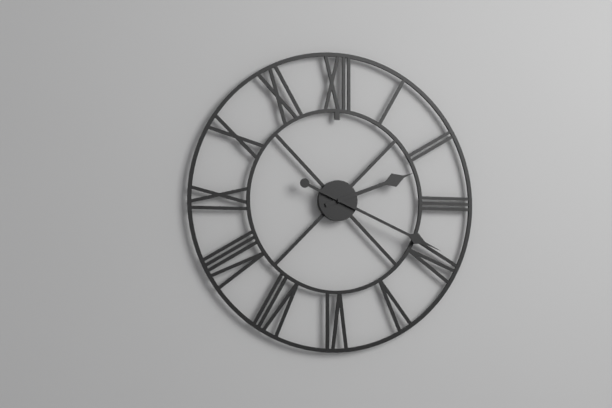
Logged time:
2h19
